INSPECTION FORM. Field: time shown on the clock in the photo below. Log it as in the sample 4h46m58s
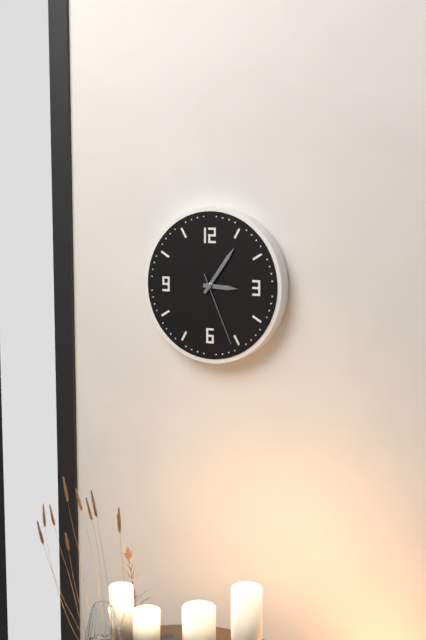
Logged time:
3h06m26s
